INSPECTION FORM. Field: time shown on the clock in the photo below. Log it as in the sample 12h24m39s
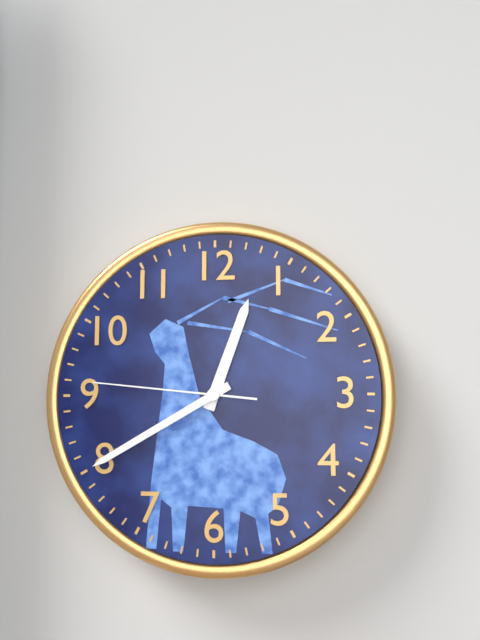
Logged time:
12h40m46s
